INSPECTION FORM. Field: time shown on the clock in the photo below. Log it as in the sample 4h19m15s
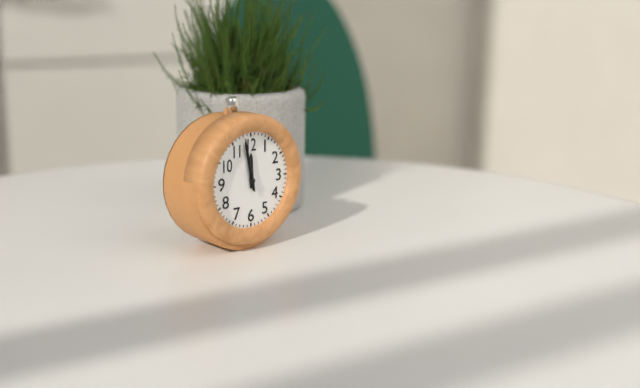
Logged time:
11h58m58s
